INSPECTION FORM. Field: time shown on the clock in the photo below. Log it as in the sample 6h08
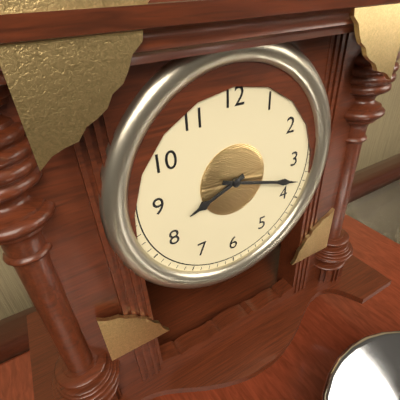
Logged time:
8h18
